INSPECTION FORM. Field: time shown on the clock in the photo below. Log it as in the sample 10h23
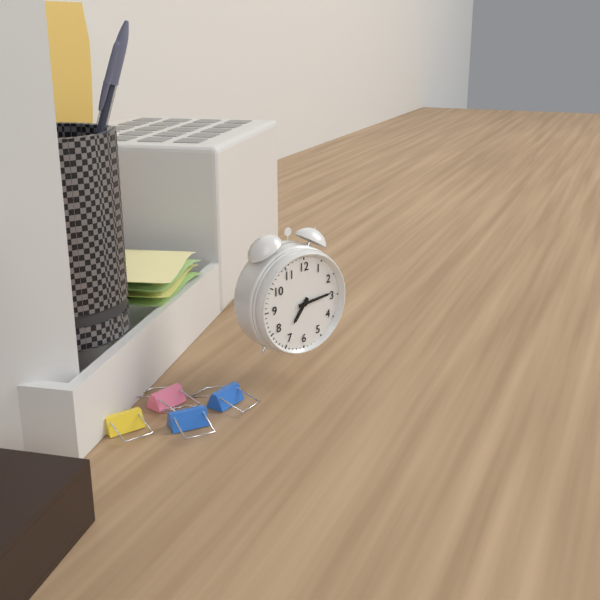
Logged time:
7h14
